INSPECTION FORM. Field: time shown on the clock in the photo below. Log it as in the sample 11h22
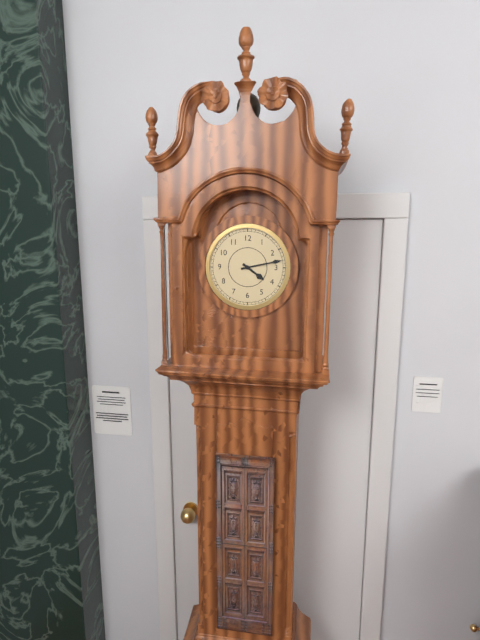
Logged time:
4h13
